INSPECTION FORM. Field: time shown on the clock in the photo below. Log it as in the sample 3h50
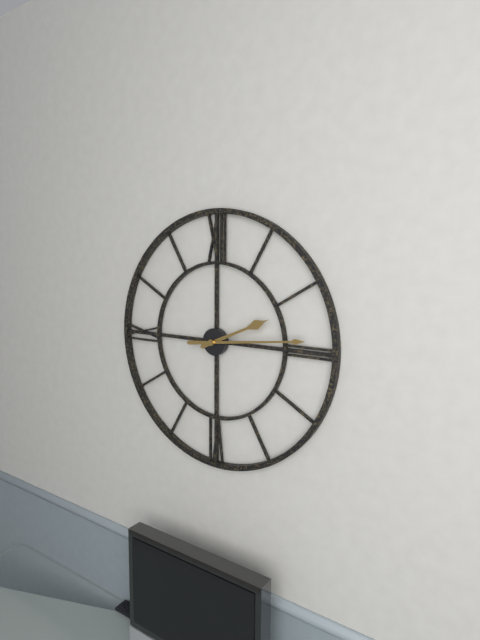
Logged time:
2h14
